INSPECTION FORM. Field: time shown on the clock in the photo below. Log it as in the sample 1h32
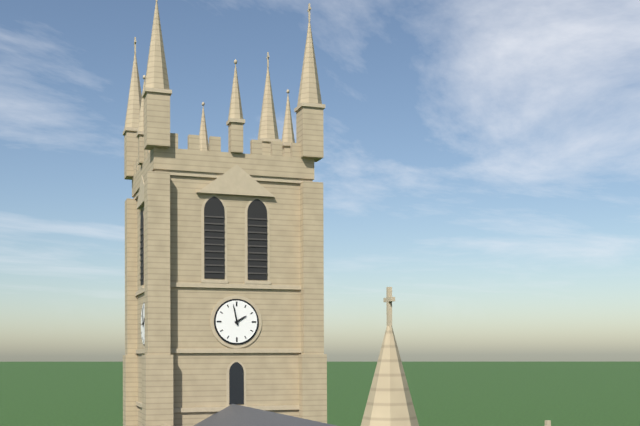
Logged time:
1h58
